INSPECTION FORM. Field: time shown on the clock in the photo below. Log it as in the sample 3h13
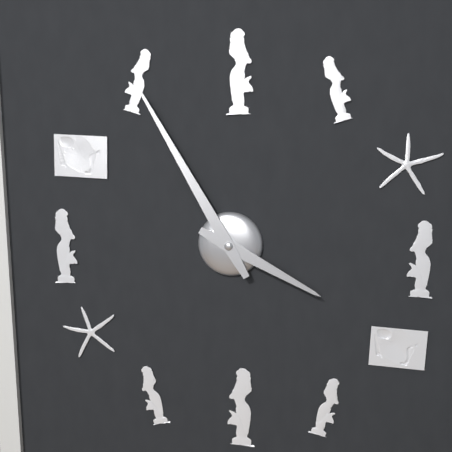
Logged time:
3h55
